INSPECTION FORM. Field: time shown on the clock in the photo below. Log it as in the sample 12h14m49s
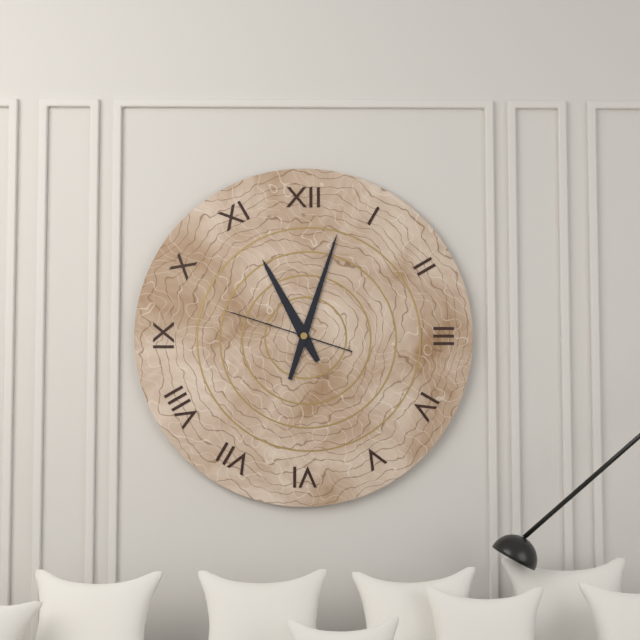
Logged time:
11h03m48s
